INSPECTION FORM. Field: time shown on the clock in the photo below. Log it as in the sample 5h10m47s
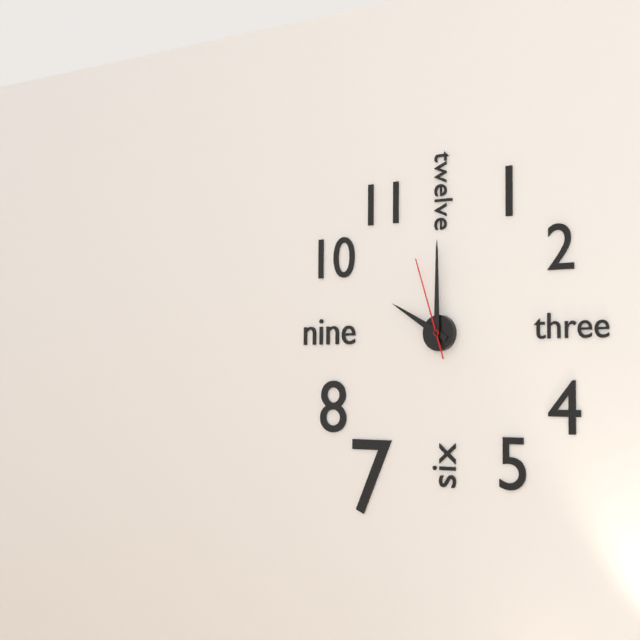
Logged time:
10h00m57s
